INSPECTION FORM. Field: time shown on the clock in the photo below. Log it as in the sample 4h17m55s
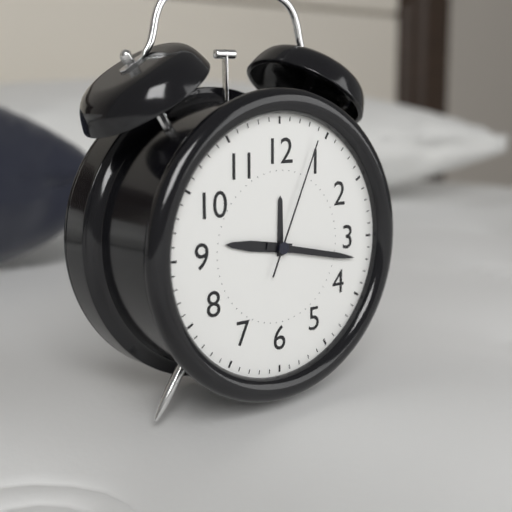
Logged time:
9h17m04s
